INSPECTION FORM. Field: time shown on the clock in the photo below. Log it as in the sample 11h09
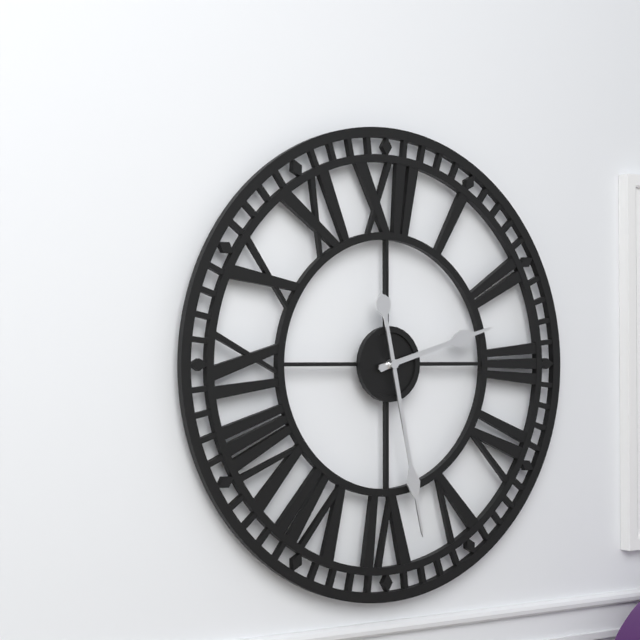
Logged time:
2h28
